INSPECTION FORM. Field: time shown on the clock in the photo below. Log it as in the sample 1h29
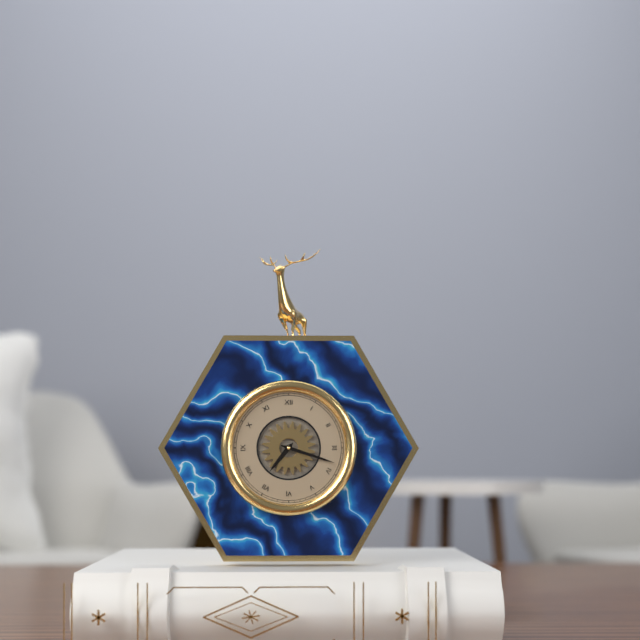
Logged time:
7h18
